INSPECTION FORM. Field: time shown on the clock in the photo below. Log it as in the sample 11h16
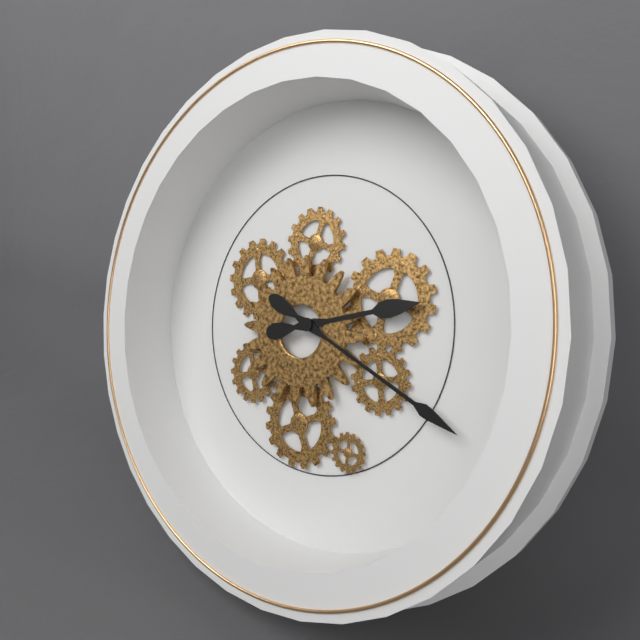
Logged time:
2h18
